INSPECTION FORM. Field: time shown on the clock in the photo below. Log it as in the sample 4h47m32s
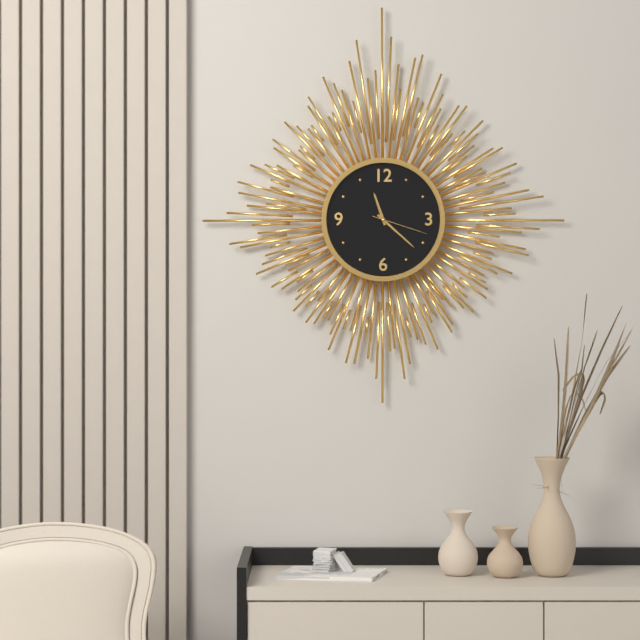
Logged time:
11h22m18s
